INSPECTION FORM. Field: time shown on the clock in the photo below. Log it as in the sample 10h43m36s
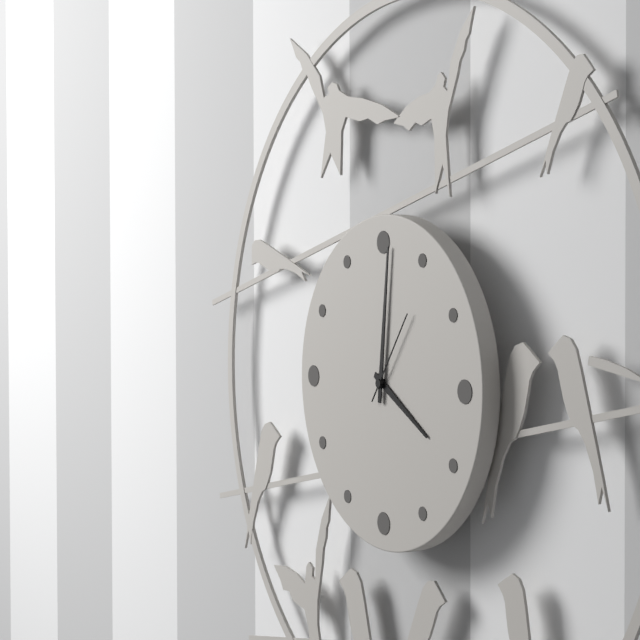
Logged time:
4h01m06s
